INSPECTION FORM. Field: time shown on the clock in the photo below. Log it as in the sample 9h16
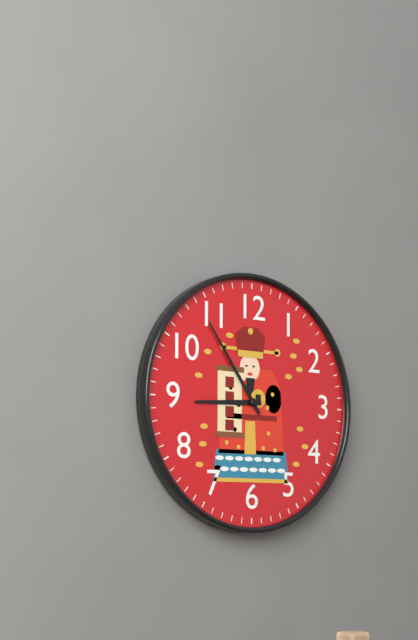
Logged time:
8h54
